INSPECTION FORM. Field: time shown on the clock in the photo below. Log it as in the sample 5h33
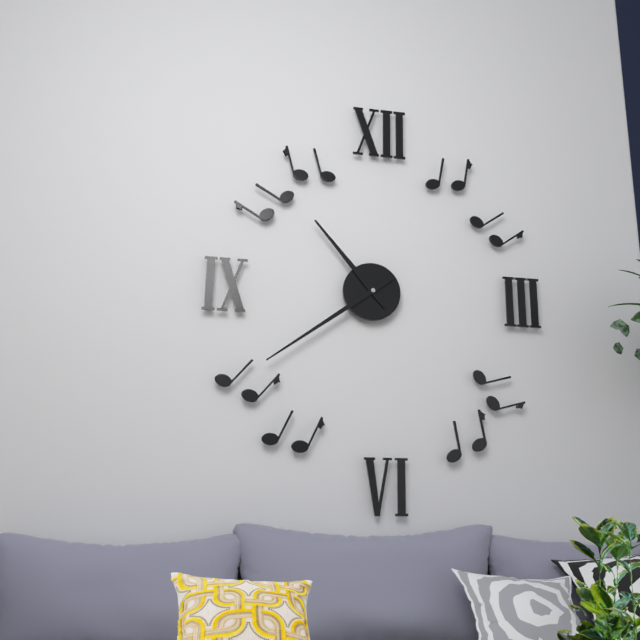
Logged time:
10h39
